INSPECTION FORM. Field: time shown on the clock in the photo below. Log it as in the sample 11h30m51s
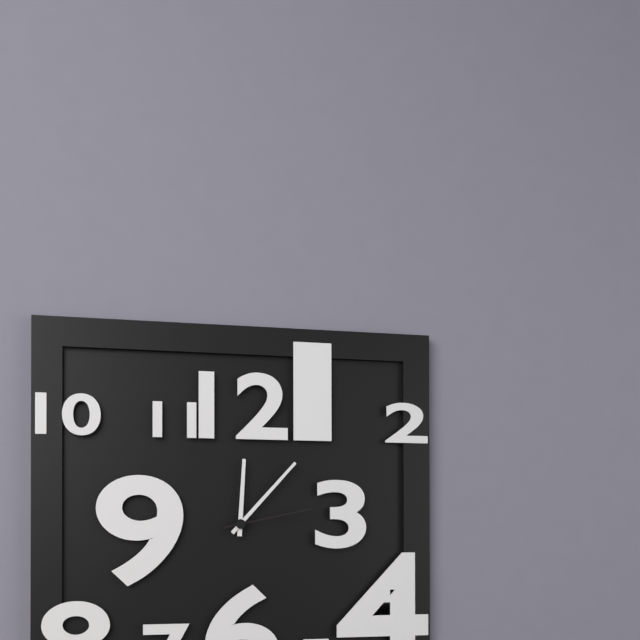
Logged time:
12h07m13s
